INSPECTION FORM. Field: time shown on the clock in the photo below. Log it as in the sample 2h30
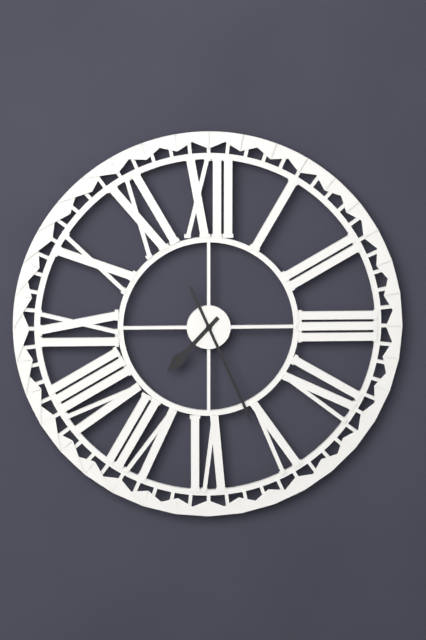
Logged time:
7h26
